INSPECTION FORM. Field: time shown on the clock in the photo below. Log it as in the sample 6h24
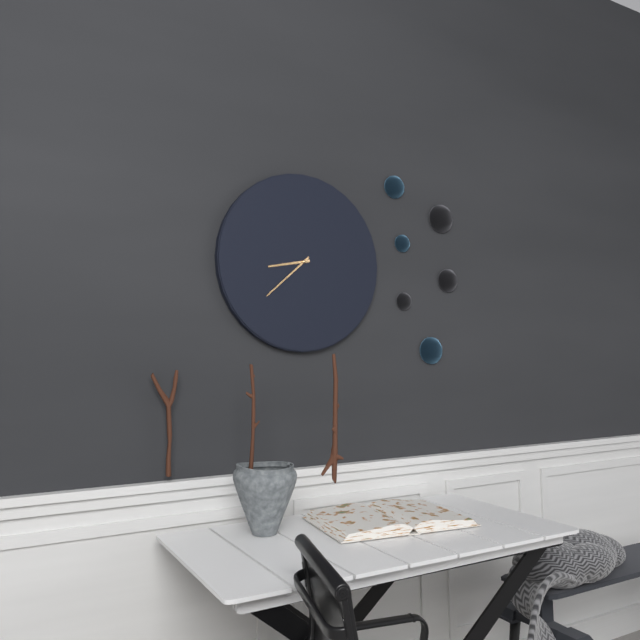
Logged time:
8h38
